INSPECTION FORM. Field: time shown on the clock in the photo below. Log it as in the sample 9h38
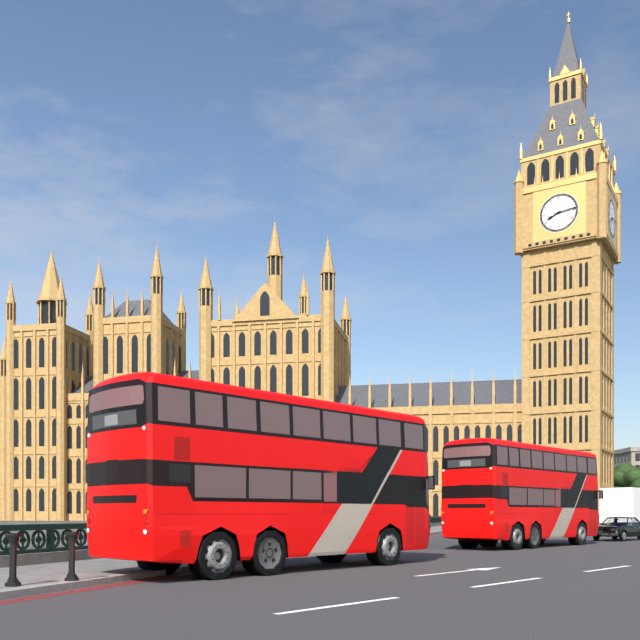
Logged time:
8h14
